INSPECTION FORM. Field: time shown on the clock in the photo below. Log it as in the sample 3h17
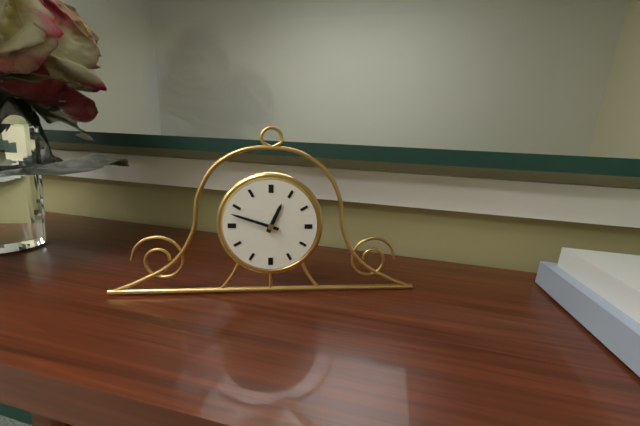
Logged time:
12h48
